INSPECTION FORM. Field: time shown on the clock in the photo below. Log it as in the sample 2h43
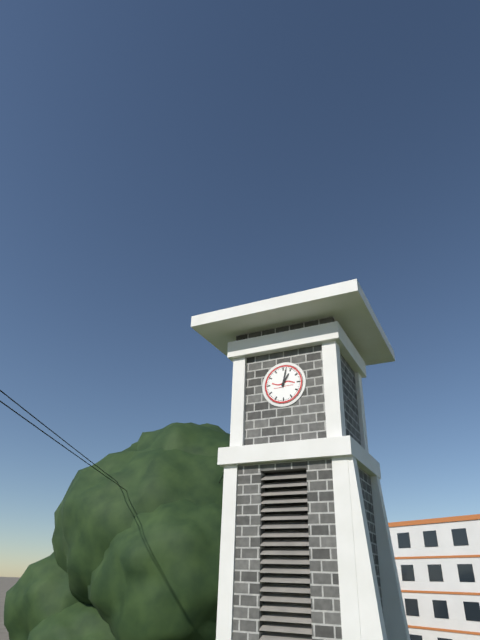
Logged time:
1h02
